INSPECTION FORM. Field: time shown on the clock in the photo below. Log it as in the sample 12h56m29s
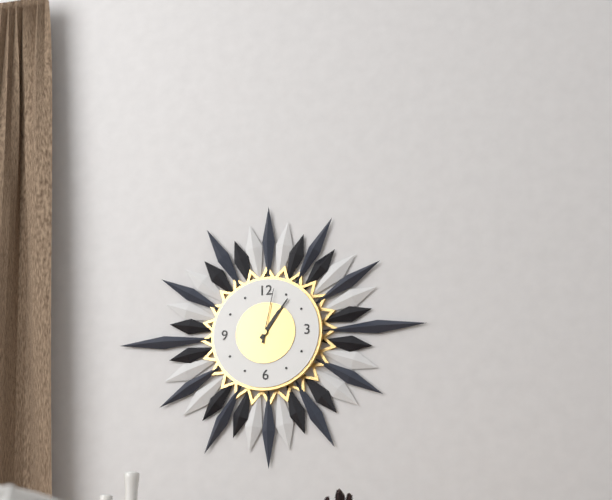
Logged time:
1h06m02s
